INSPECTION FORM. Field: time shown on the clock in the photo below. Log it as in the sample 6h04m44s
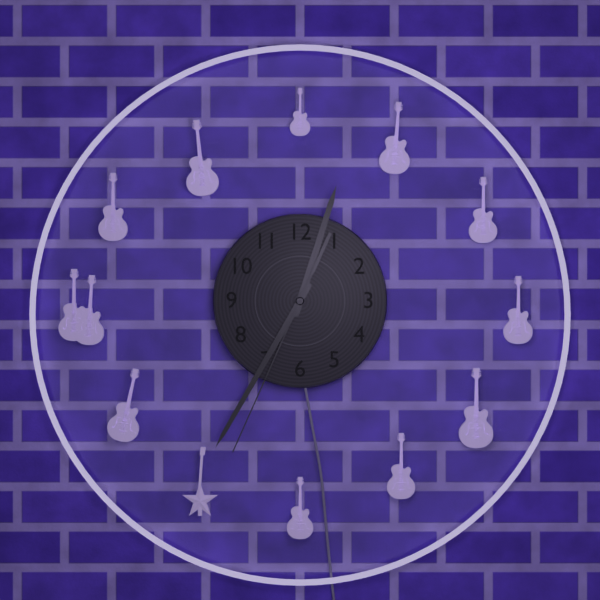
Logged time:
12h35m34s
